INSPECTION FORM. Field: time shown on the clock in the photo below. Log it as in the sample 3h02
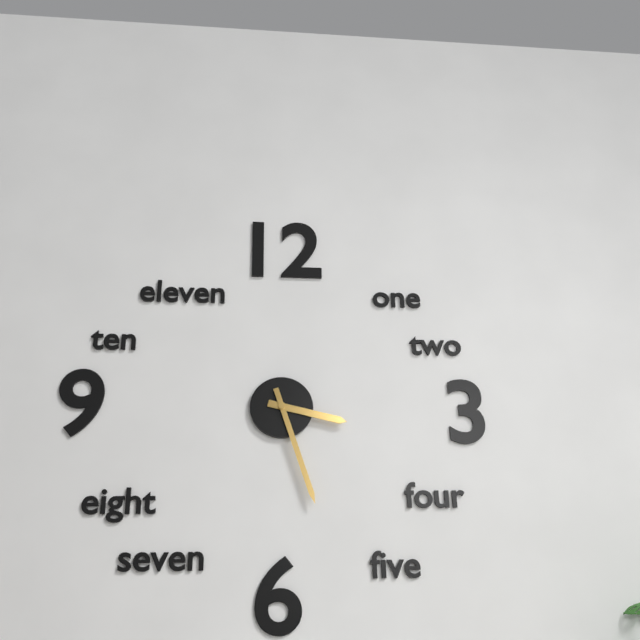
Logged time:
3h27
